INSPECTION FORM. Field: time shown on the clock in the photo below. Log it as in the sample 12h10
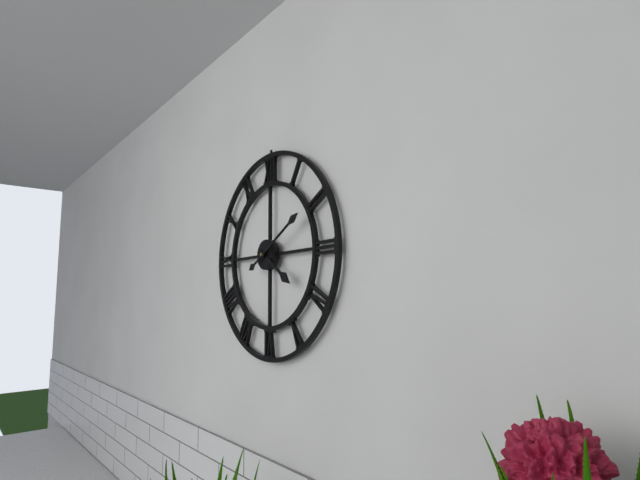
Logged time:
4h10
